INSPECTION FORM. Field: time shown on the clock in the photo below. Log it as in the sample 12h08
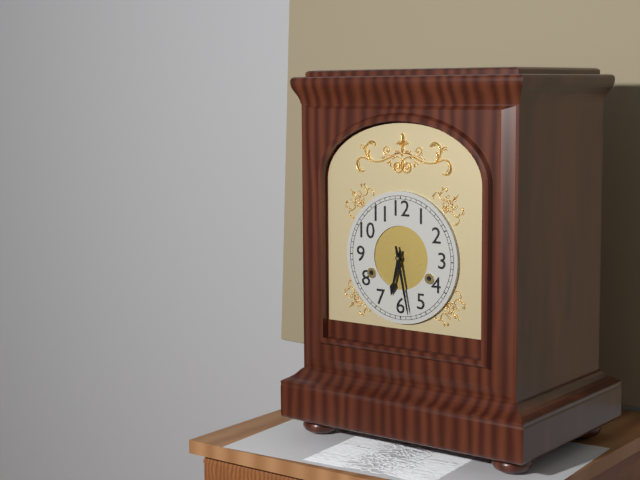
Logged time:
6h28
